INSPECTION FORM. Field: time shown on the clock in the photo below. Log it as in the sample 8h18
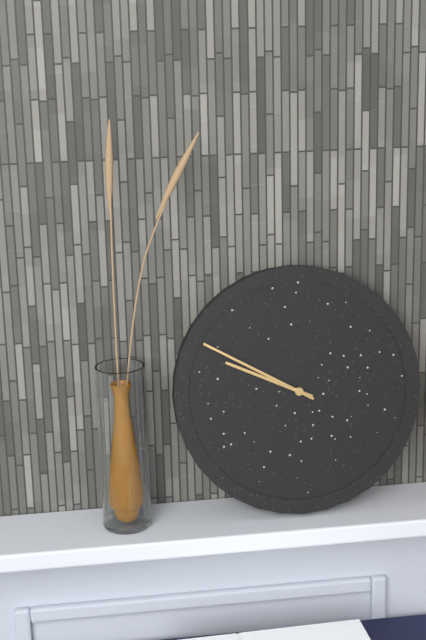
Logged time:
9h50
